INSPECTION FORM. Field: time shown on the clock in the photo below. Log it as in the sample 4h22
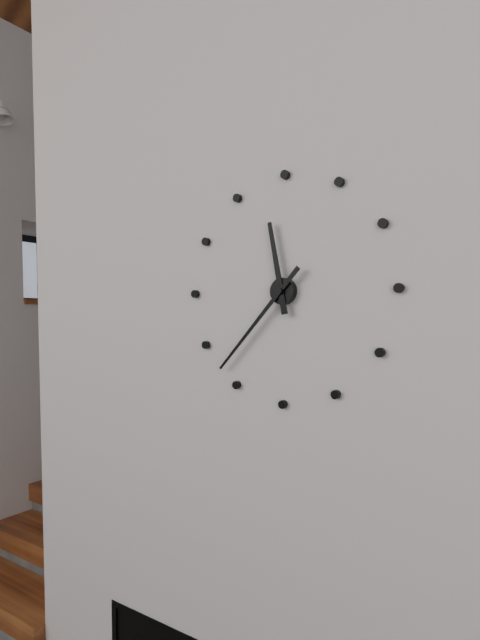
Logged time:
11h37
